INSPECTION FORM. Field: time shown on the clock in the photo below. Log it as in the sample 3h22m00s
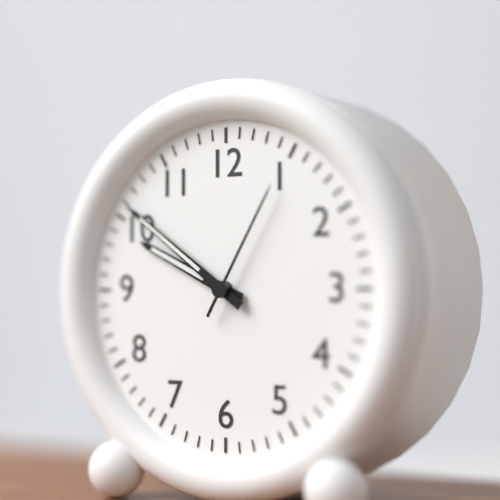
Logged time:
9h51m05s
